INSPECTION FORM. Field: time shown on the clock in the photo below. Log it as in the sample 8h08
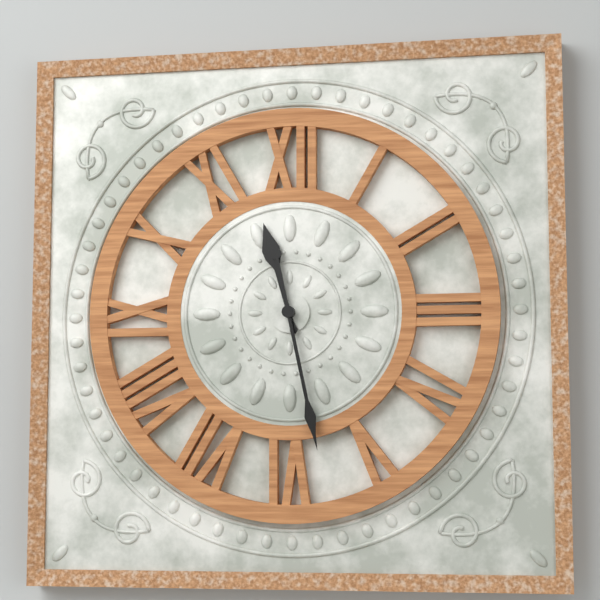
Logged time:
11h28
